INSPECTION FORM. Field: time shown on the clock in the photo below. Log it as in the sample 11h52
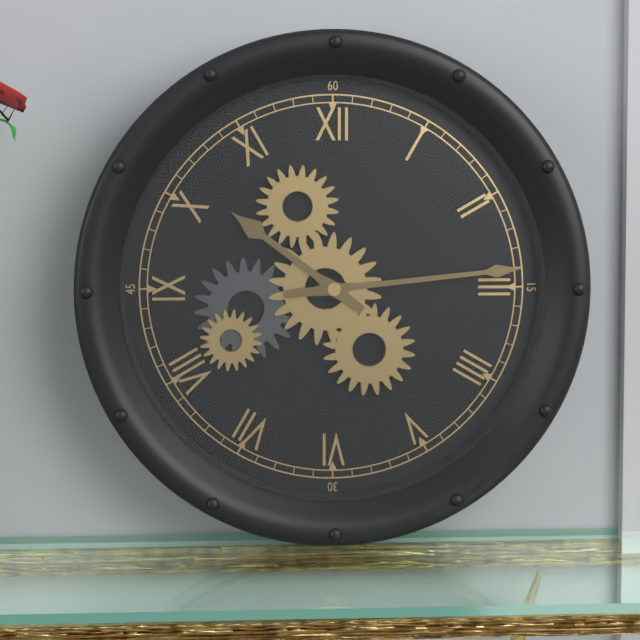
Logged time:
10h14
